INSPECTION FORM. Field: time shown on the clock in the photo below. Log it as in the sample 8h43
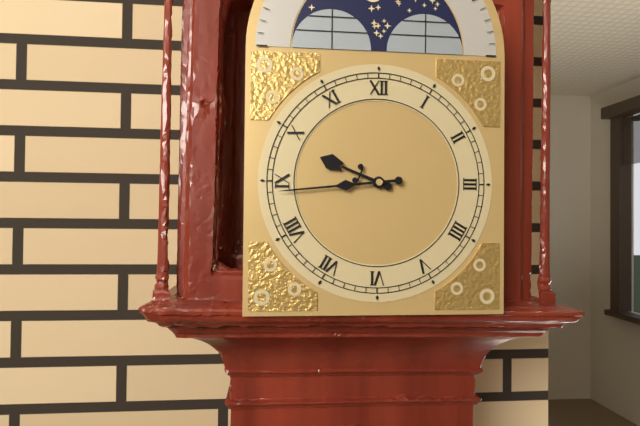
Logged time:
9h44
